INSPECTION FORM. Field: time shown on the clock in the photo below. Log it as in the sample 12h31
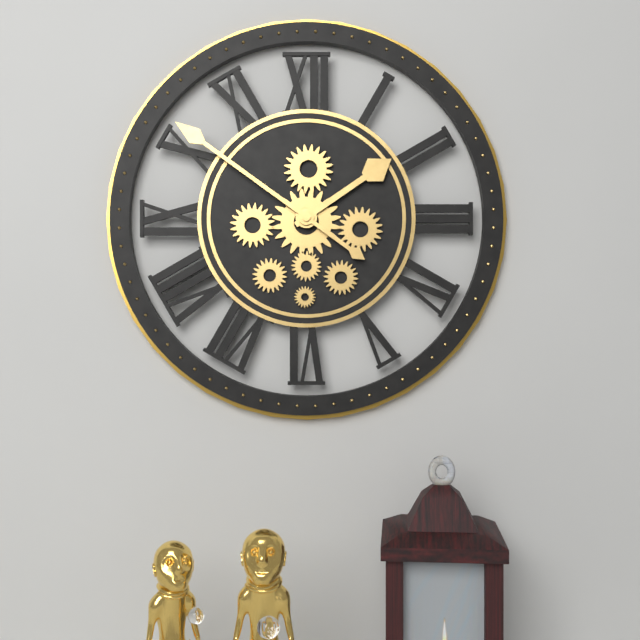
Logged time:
1h51
